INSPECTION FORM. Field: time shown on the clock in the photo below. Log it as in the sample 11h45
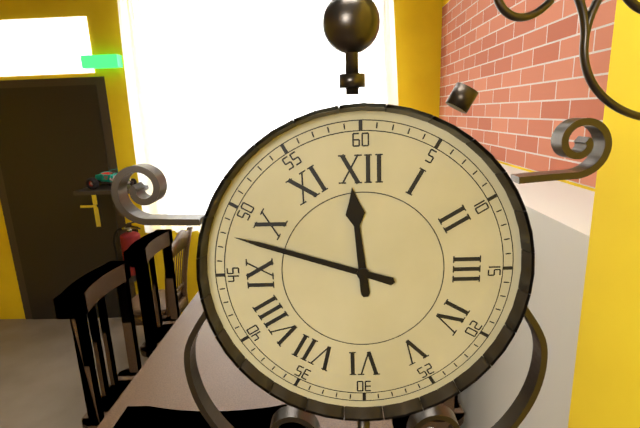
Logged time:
11h48
